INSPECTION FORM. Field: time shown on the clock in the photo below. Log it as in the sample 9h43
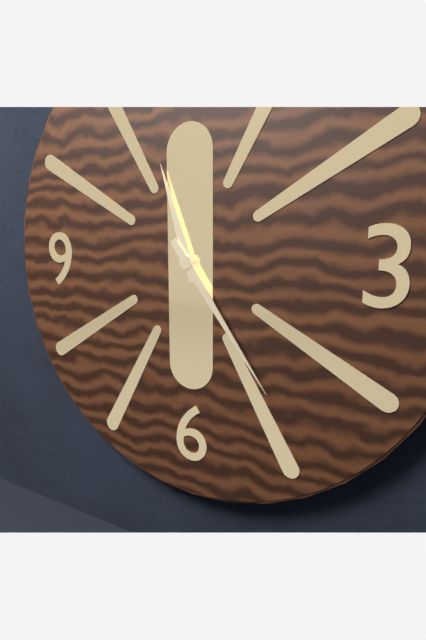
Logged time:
11h24
